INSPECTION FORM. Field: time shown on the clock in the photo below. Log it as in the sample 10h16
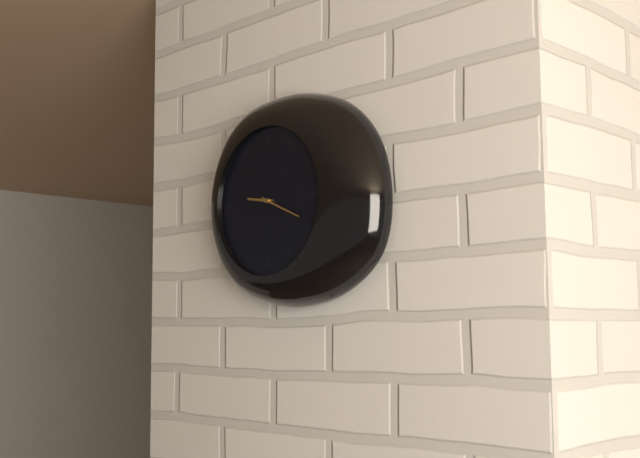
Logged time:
9h19
